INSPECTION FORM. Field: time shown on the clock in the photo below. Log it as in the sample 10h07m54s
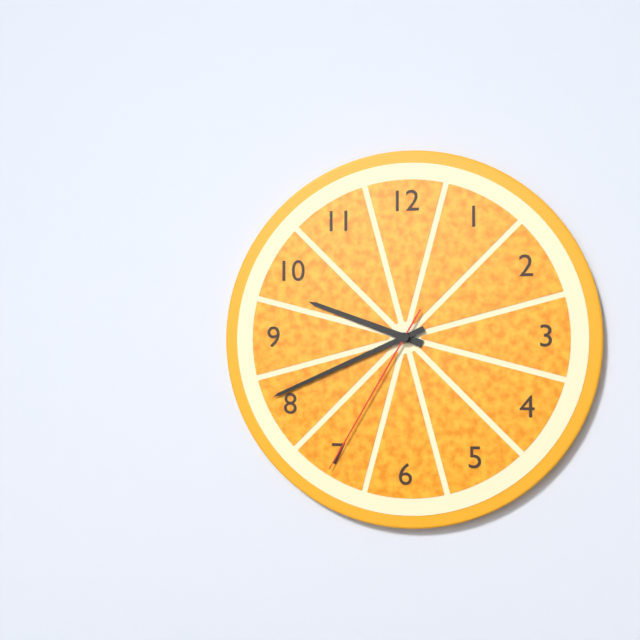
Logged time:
9h41m35s
